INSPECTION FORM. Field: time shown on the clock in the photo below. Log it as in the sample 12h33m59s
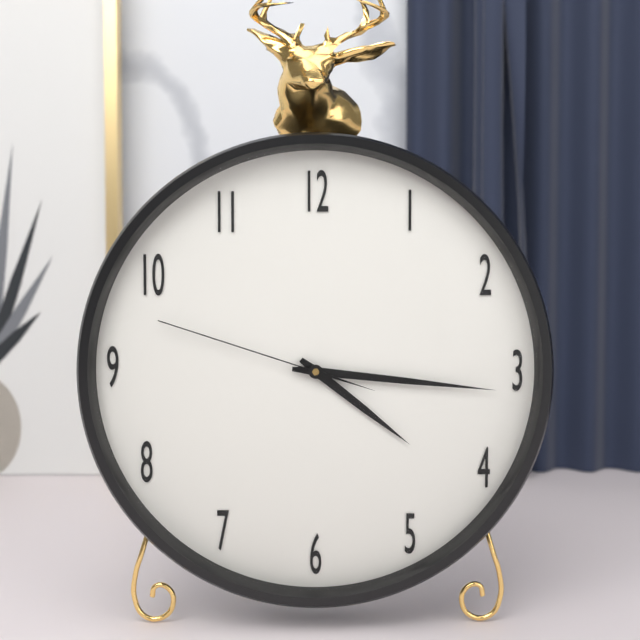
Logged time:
4h16m48s
